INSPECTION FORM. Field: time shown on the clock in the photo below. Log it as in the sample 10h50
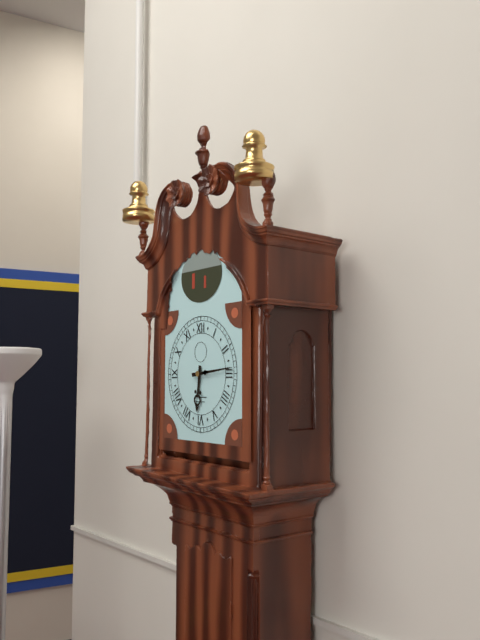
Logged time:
6h14
